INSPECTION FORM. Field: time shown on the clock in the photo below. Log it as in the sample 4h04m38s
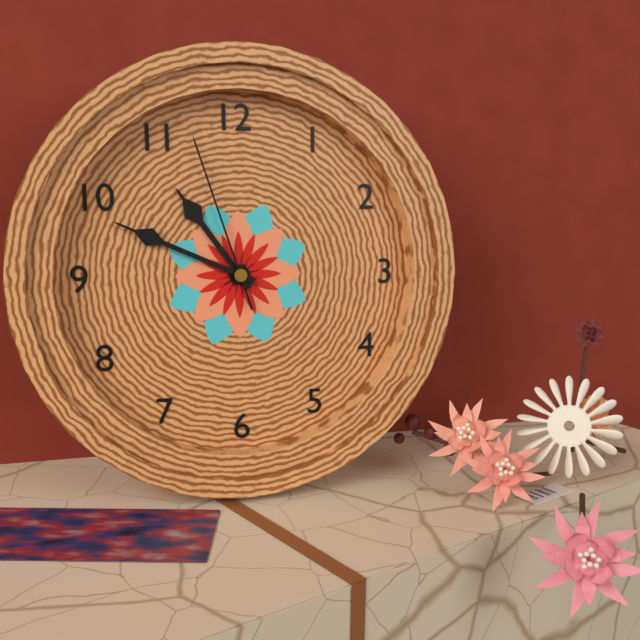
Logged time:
10h49m57s
